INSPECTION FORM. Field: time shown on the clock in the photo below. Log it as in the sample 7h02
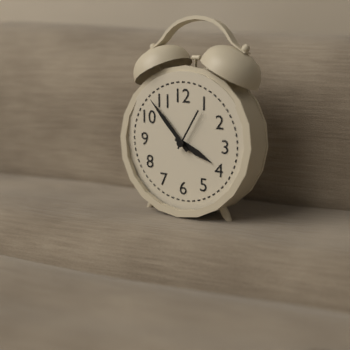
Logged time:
3h53
